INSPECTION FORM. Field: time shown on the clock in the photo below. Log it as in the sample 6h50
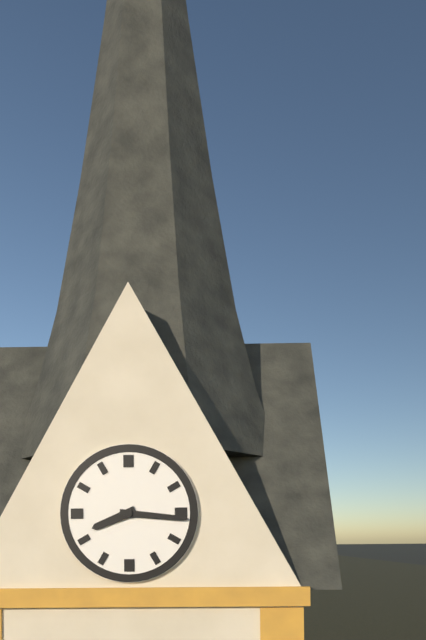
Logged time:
8h16
